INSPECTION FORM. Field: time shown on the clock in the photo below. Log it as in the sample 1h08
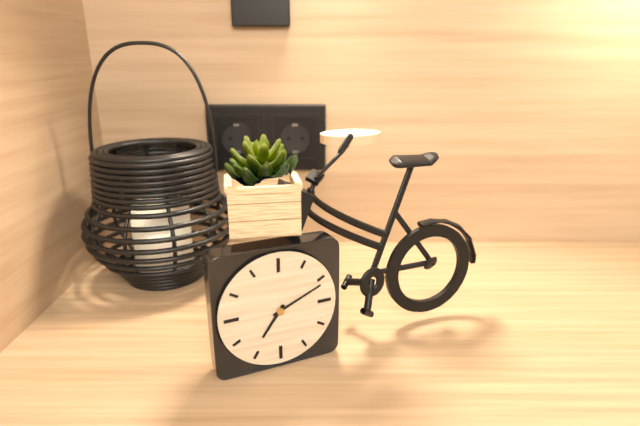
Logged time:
7h11
